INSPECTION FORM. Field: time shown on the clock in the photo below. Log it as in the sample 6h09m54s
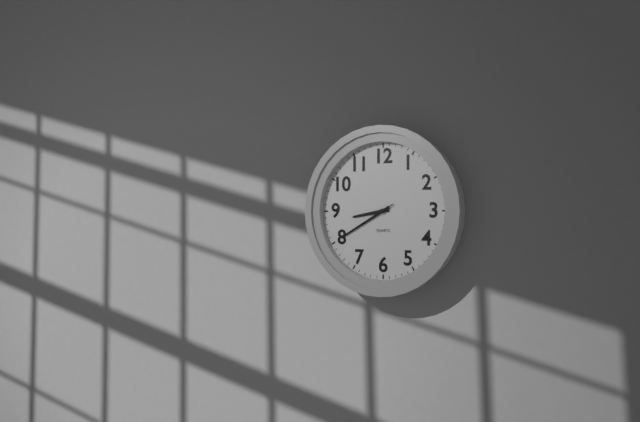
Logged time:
8h40m40s
